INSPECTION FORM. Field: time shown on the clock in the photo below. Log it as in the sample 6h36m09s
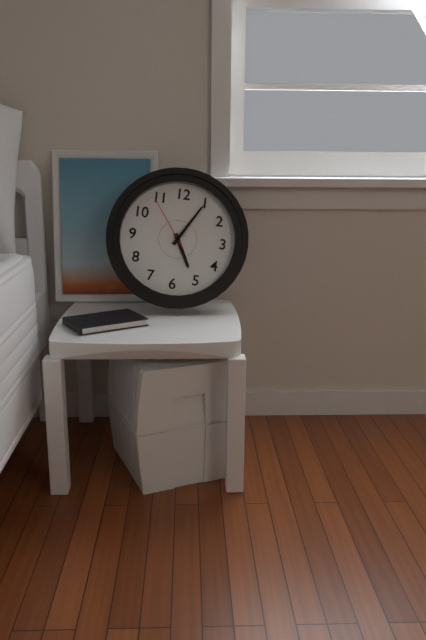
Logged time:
5h05m54s
